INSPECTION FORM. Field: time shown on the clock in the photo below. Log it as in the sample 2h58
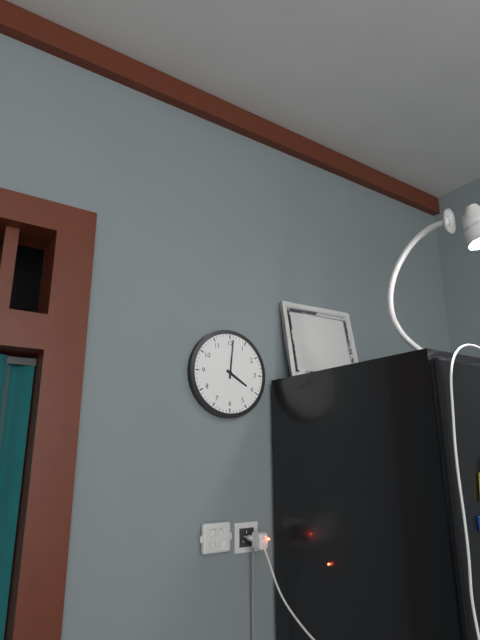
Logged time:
4h01
